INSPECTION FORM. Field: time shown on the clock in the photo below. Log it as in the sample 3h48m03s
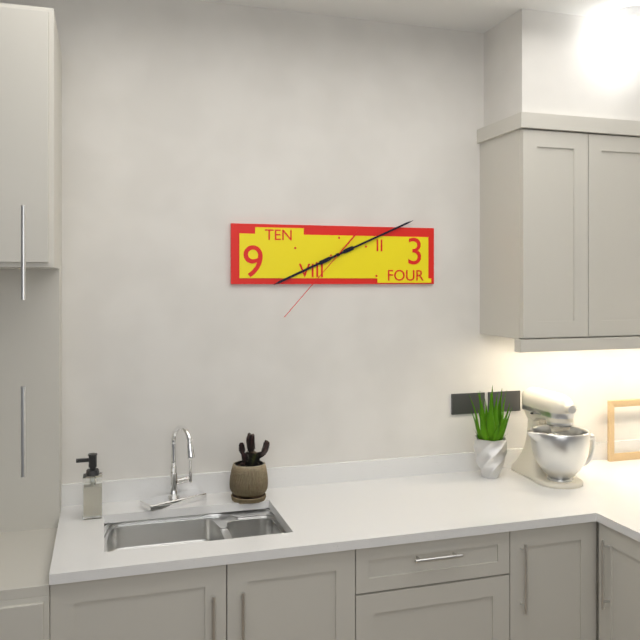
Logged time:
8h11m37s
